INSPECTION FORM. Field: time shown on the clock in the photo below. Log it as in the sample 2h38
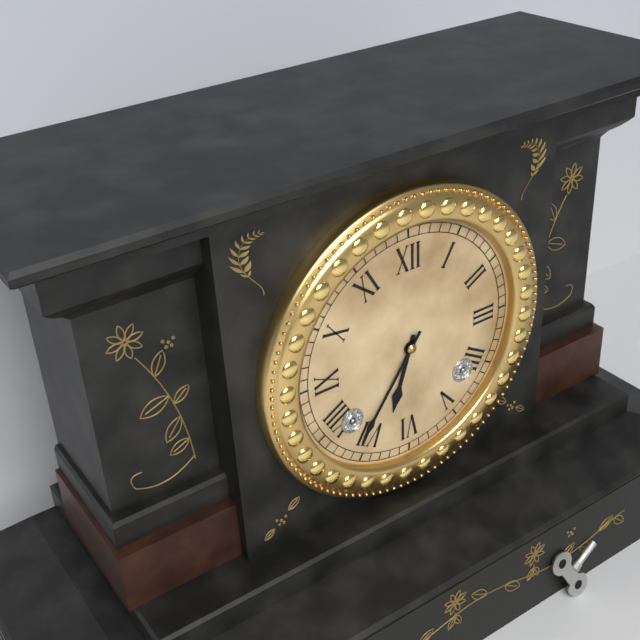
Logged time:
6h36
